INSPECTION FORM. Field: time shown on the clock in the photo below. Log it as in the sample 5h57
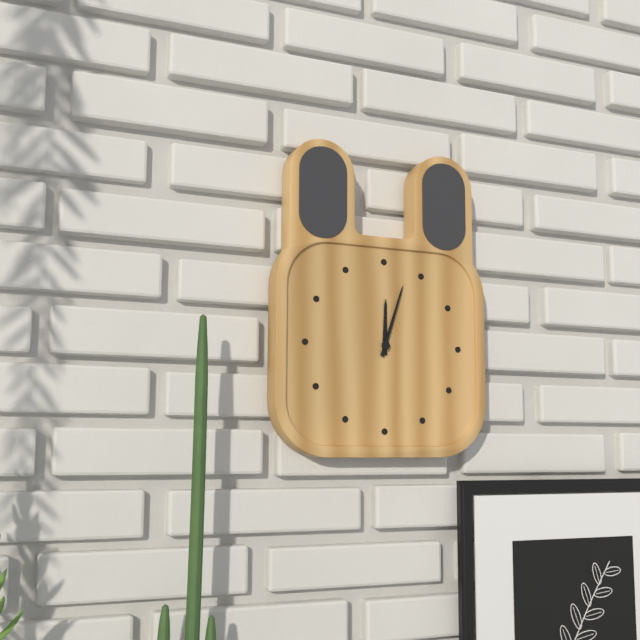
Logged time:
12h03
